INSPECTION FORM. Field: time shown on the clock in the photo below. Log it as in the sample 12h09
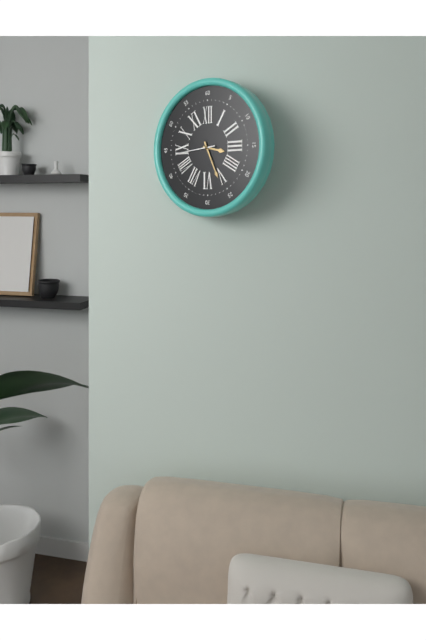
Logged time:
3h26
